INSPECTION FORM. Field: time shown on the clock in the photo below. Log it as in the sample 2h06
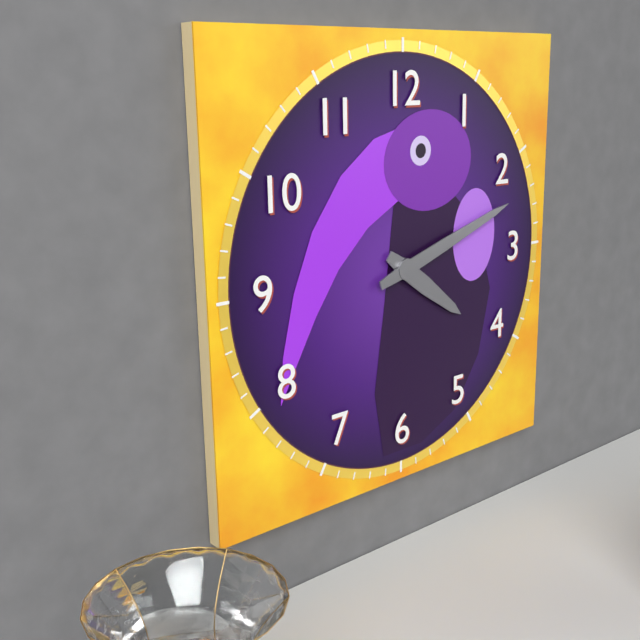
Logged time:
4h12
